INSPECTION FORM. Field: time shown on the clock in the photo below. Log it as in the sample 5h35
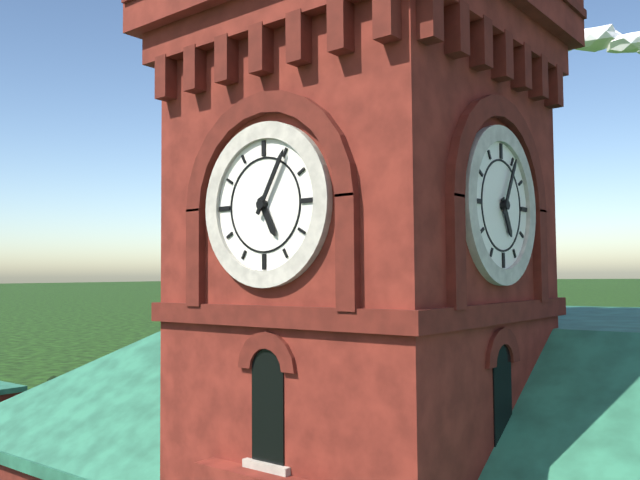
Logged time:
5h05
